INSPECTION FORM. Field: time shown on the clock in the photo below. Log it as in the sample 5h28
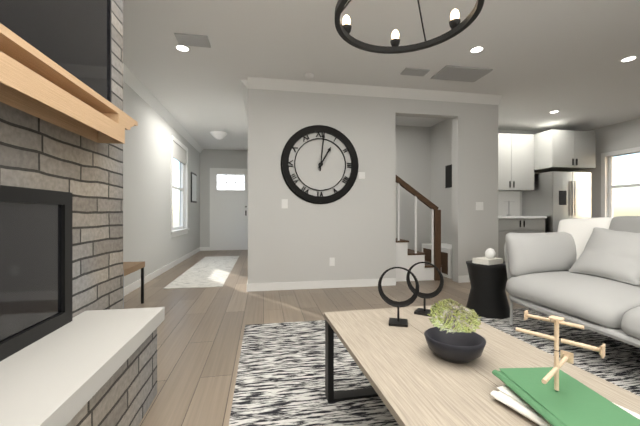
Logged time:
1h01
